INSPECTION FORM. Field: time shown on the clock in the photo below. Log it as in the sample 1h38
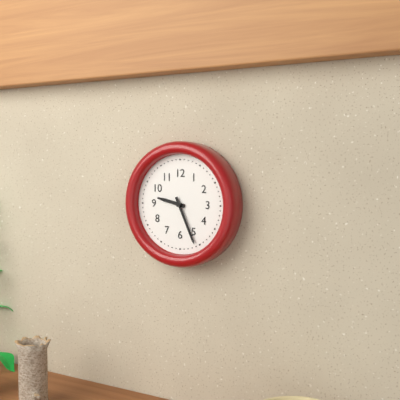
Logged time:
9h26
